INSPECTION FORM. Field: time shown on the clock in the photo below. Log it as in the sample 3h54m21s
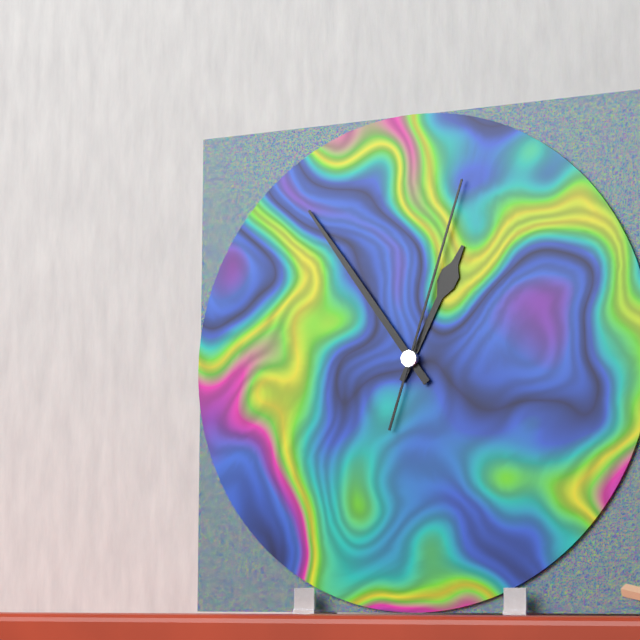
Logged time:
12h54m03s
